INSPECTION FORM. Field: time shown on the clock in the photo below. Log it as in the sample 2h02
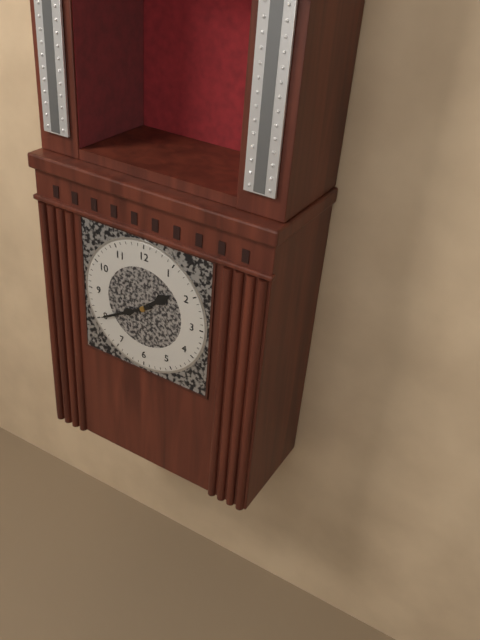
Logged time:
1h40
